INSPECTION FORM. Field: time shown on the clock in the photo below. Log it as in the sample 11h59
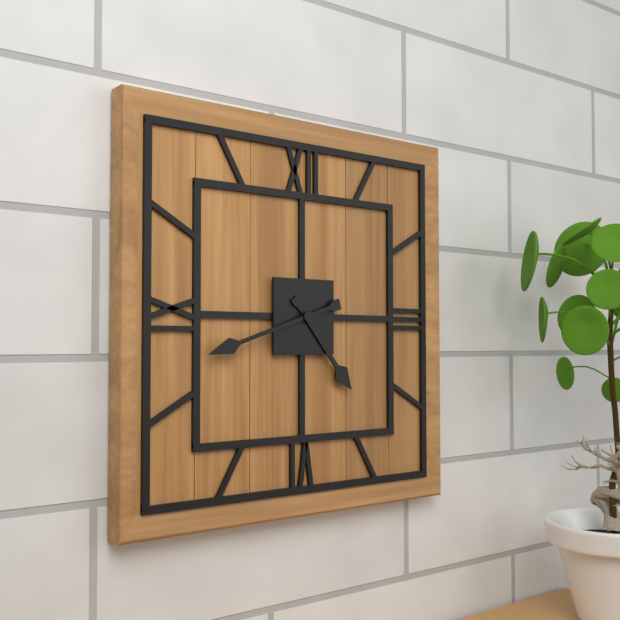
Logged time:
4h42
